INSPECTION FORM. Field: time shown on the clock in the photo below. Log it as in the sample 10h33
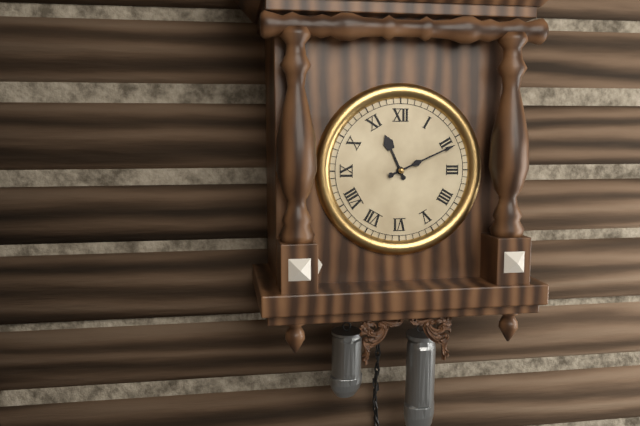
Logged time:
11h11
